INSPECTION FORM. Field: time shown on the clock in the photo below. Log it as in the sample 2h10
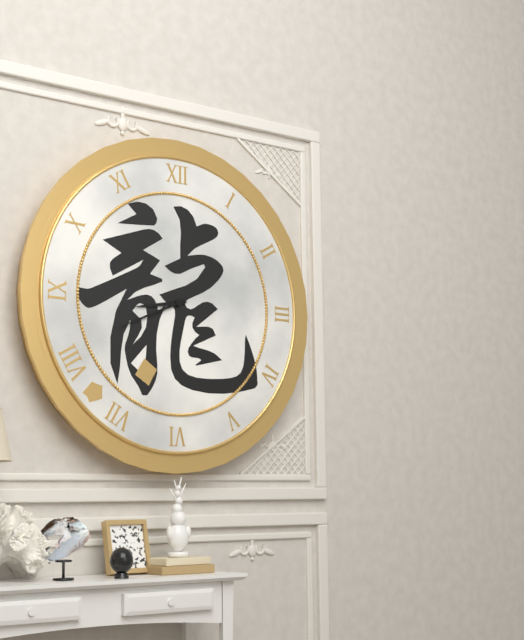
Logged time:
8h41
